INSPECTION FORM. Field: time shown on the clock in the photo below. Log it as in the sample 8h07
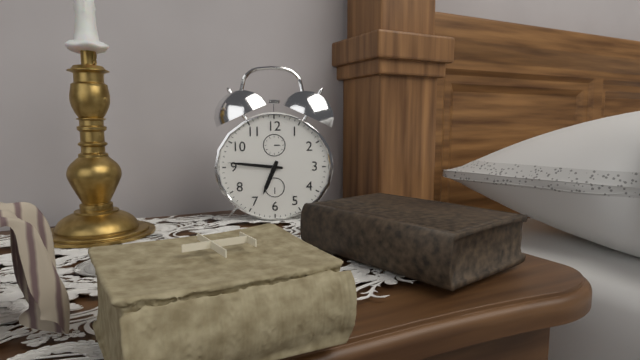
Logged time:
6h46
